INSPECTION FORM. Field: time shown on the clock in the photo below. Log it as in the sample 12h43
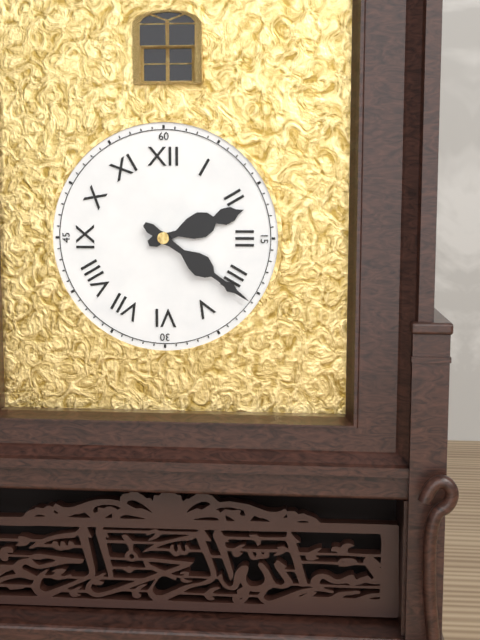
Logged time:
2h21
